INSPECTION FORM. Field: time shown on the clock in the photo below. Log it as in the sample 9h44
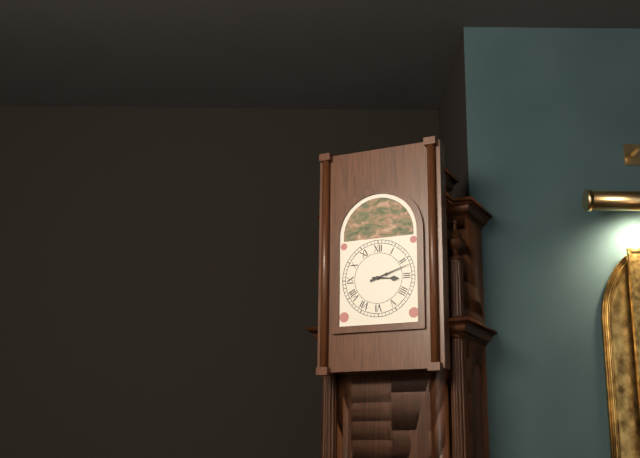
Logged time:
3h12
